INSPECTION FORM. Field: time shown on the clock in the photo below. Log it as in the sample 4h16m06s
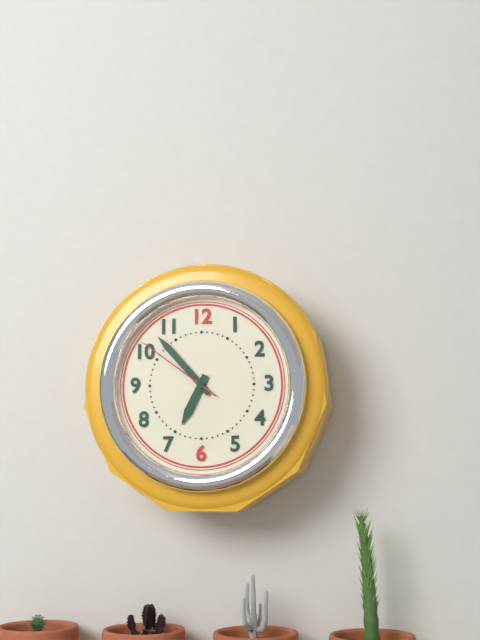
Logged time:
6h53m51s
